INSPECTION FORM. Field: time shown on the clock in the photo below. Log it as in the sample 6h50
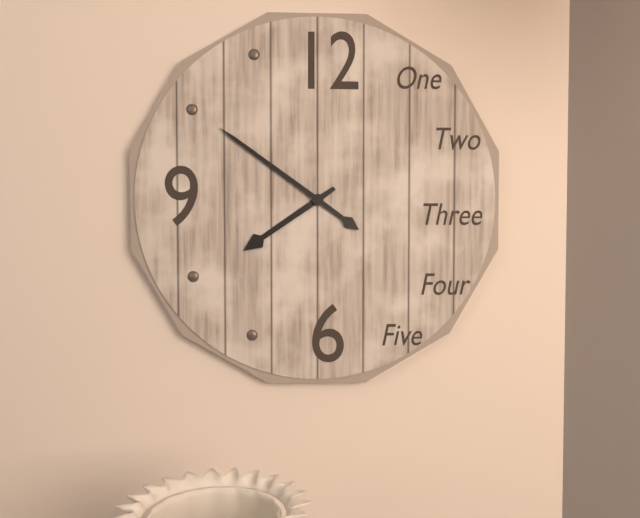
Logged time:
7h51
